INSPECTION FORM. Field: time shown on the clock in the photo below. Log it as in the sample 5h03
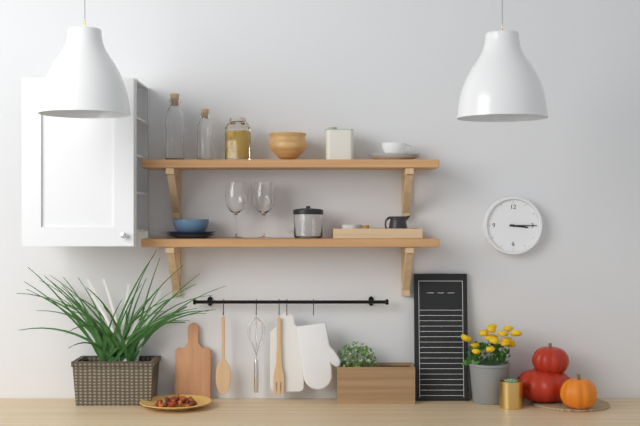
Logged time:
3h15
